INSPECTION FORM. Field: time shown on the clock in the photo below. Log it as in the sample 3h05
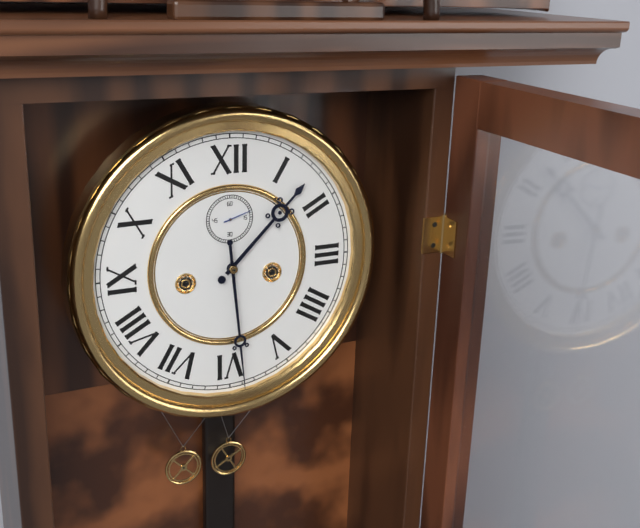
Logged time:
1h29
